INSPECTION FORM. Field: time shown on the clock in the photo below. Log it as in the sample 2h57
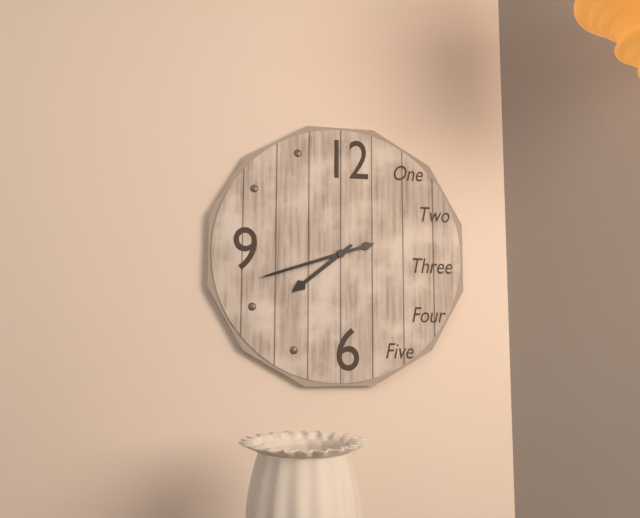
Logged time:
7h42
